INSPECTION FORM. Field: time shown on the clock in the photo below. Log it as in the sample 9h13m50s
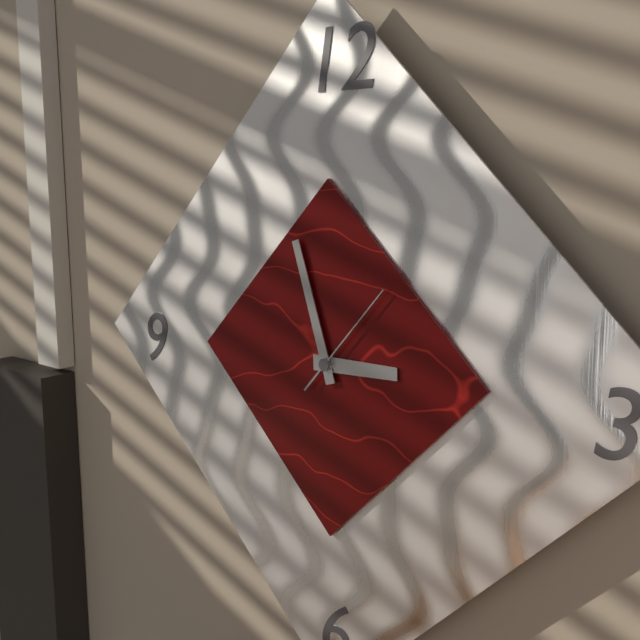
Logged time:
2h57m07s
